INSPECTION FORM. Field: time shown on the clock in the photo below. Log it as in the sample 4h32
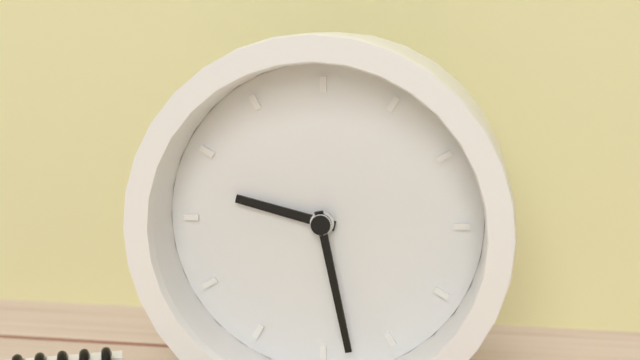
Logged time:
9h28
